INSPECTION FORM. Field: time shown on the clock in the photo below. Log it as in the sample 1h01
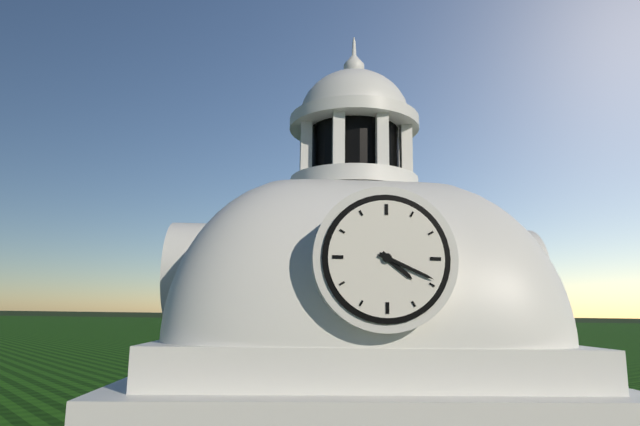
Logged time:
4h19
